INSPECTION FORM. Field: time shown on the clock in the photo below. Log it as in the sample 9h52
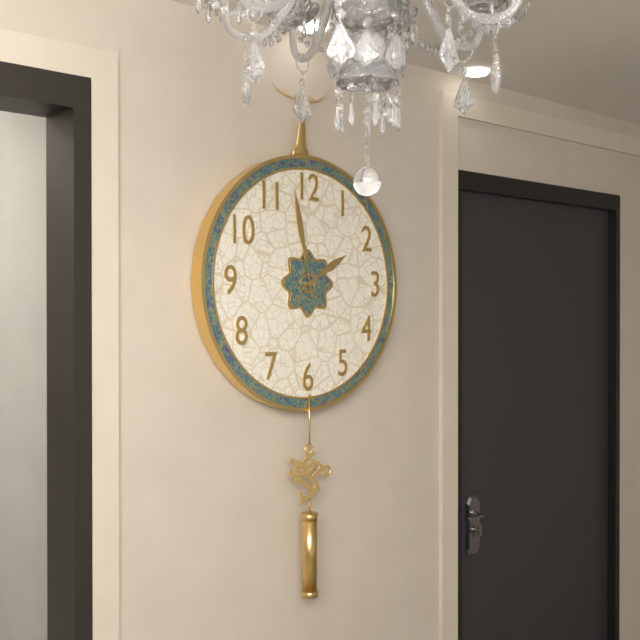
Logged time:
1h58
